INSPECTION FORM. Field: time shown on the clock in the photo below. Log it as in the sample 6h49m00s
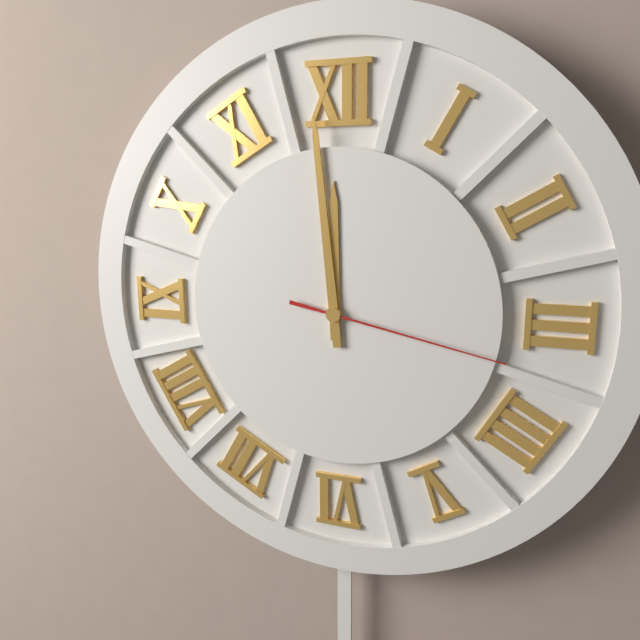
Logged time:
11h59m17s
